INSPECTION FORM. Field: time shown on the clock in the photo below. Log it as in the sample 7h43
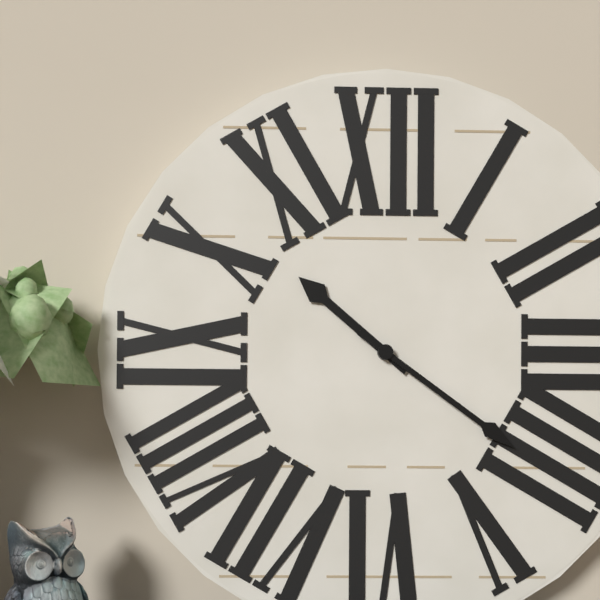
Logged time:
10h21
